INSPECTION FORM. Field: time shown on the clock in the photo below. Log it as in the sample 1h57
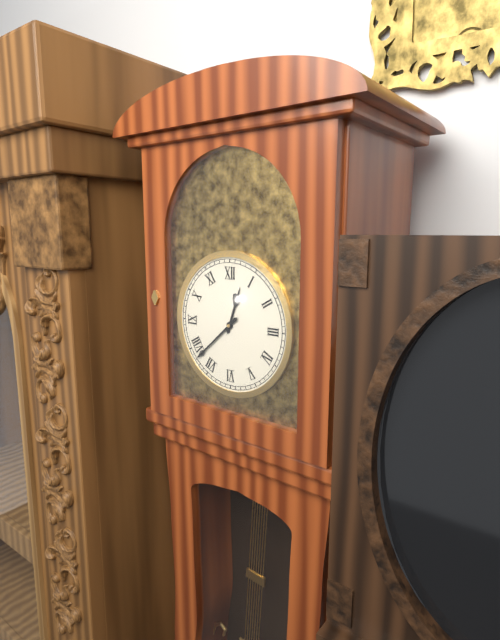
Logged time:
12h38
